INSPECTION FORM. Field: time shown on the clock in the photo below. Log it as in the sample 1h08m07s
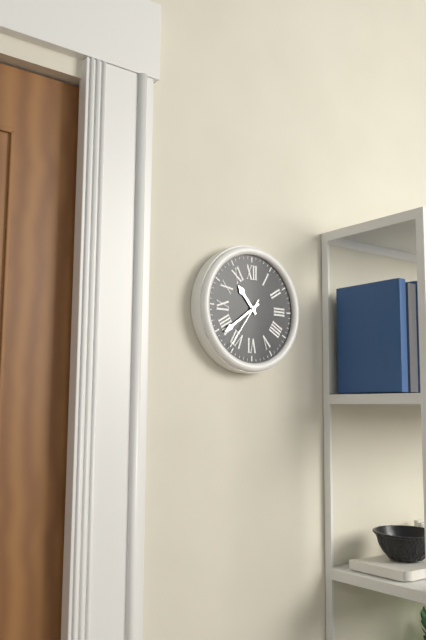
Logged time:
10h39m36s
